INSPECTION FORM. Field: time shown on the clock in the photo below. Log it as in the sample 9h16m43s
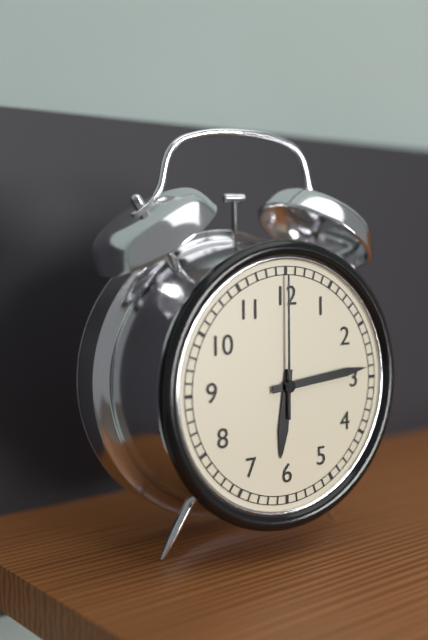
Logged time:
6h14m00s
